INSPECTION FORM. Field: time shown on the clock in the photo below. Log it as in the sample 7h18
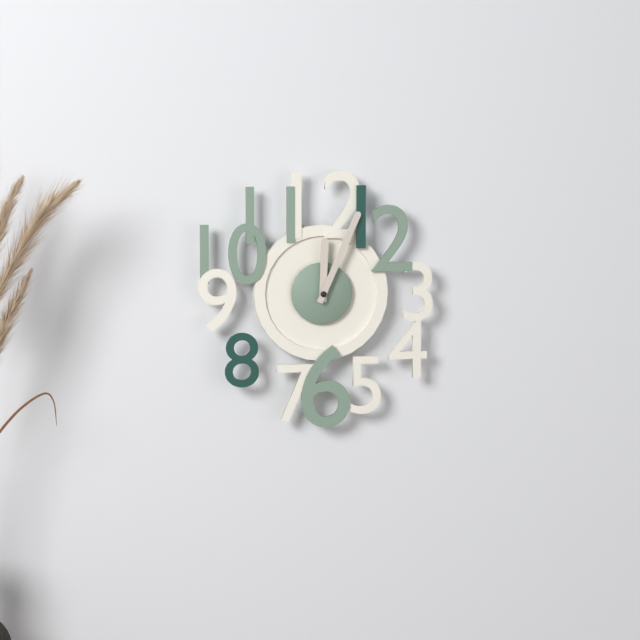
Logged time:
12h04
